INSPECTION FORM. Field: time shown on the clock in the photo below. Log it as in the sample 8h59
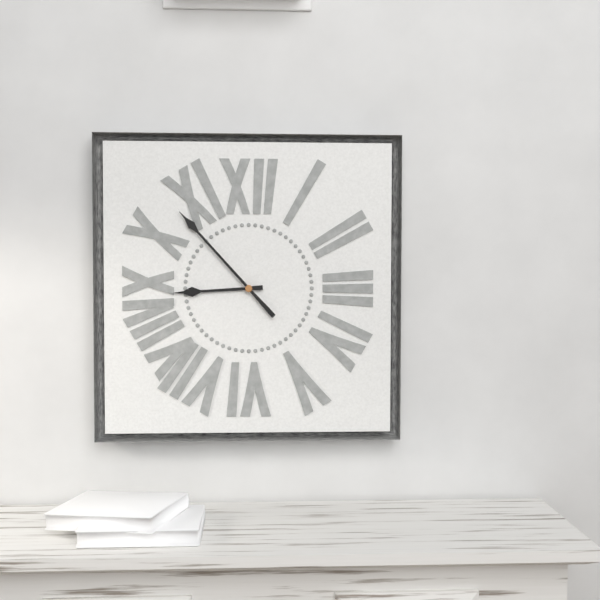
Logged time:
8h53
